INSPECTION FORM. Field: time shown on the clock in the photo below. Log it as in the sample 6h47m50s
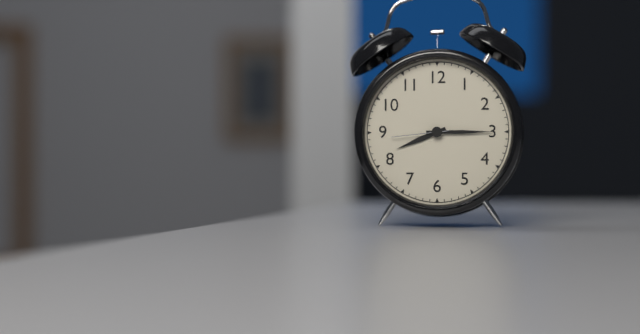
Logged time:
8h15m44s
